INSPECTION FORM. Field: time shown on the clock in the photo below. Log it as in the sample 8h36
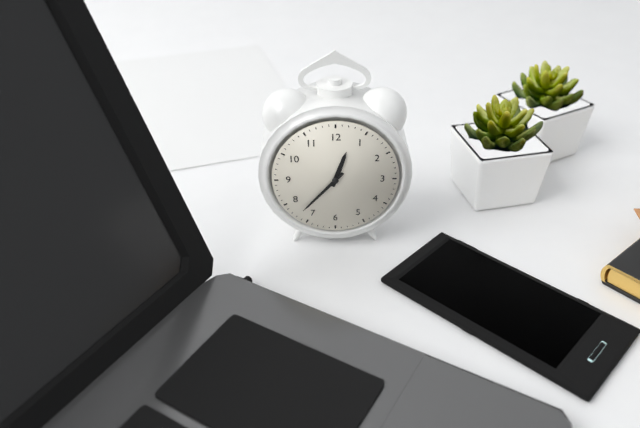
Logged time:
12h37
